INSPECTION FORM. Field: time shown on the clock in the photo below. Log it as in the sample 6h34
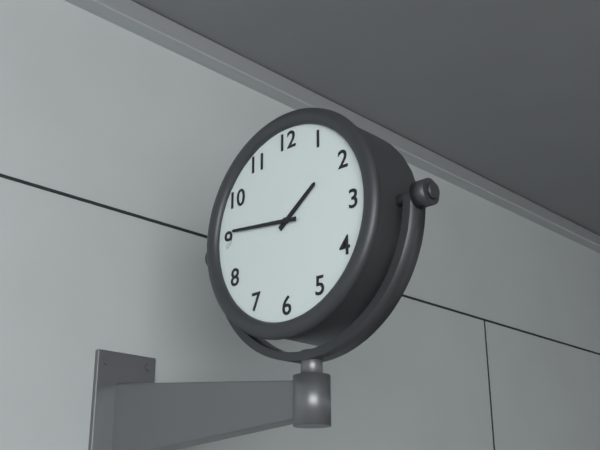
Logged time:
1h46
